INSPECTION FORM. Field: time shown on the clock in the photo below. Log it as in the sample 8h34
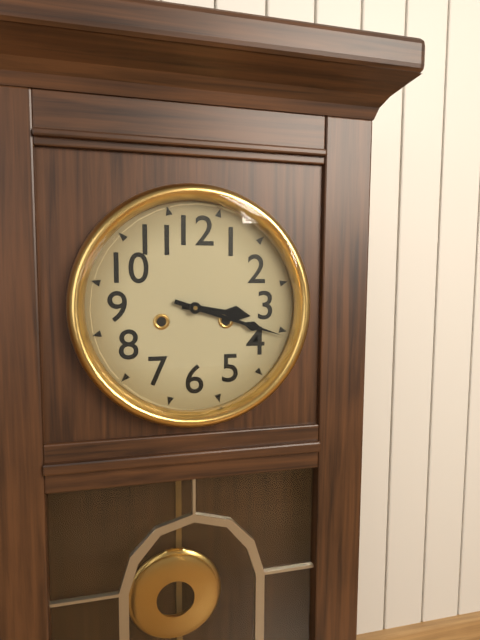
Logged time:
3h18
